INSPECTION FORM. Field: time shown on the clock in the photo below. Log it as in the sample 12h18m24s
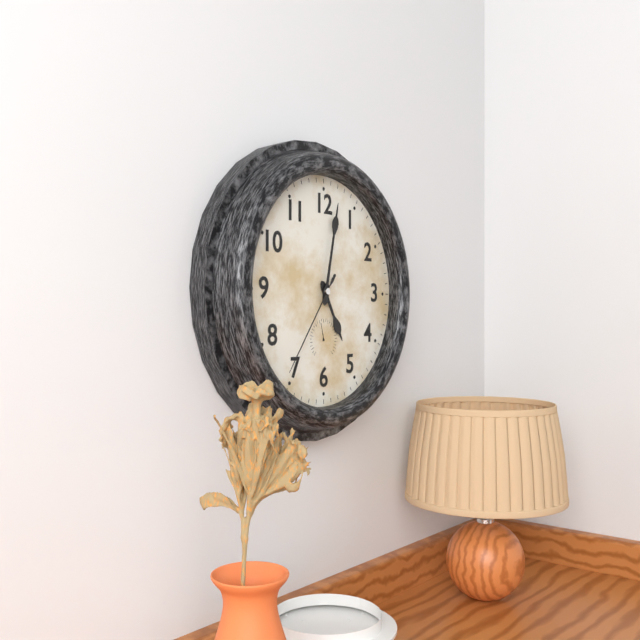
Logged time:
5h02m36s
